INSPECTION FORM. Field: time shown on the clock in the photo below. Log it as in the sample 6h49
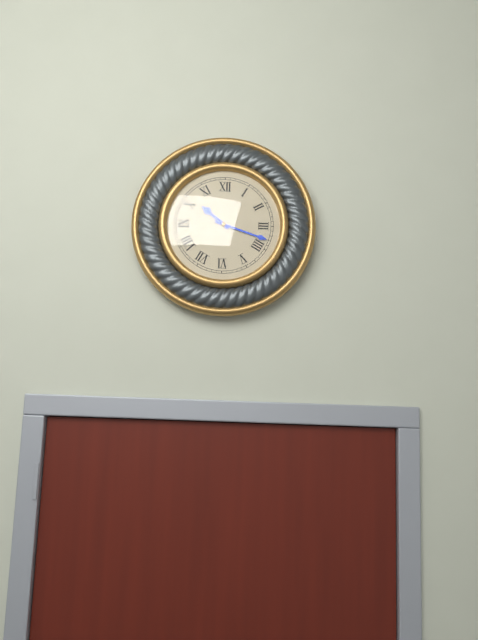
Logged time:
10h18
